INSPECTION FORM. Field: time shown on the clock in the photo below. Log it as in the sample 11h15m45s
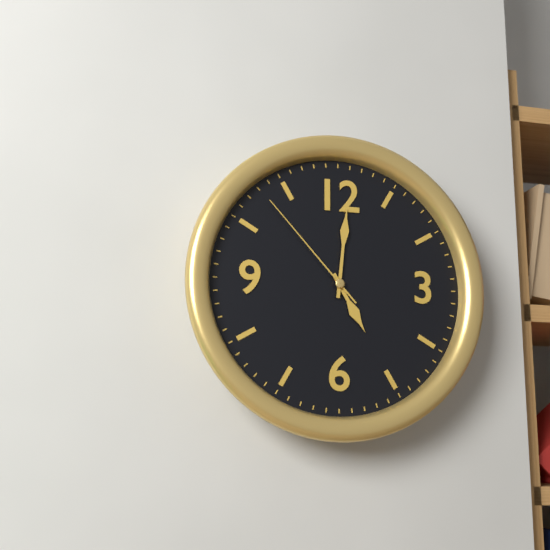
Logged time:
5h01m53s
